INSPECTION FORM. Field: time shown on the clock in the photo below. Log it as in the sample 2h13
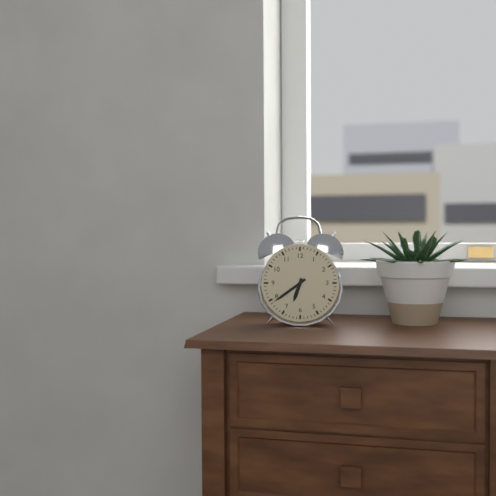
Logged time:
6h39
